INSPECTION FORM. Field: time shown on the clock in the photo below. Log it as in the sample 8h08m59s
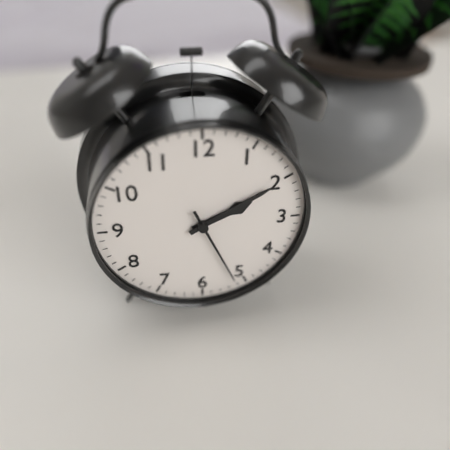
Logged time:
2h10m26s
